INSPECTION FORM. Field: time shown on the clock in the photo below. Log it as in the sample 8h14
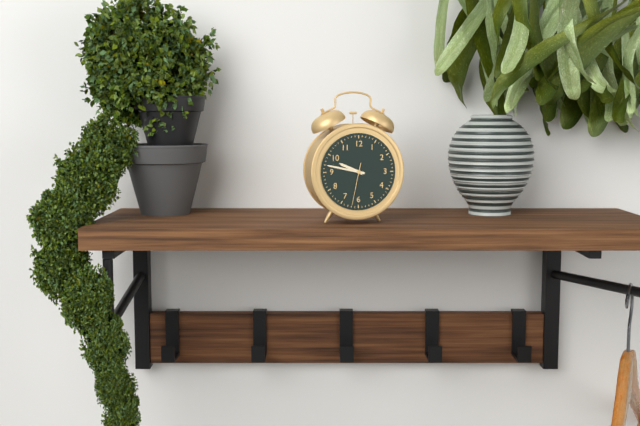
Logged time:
9h47
